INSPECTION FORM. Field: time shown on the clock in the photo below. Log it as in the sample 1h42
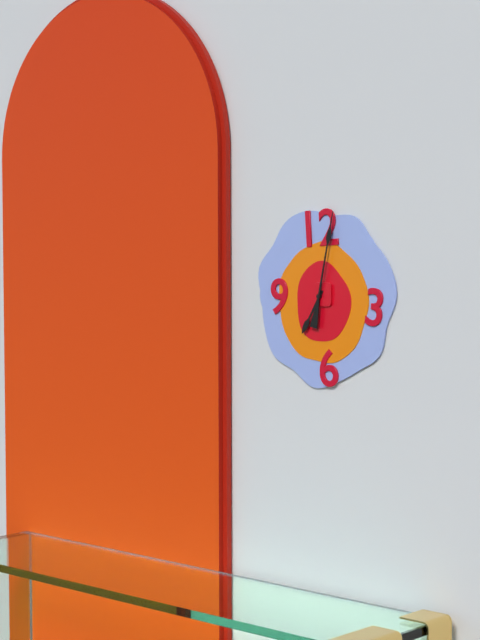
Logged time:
7h02
